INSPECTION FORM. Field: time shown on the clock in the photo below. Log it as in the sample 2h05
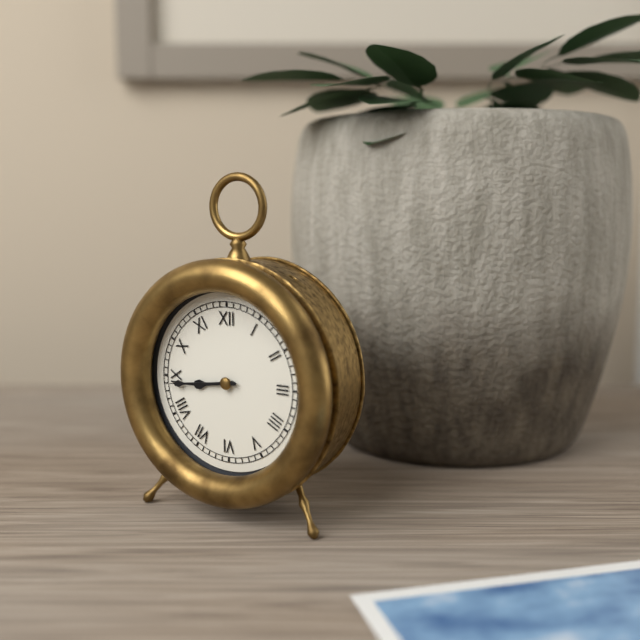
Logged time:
8h44
